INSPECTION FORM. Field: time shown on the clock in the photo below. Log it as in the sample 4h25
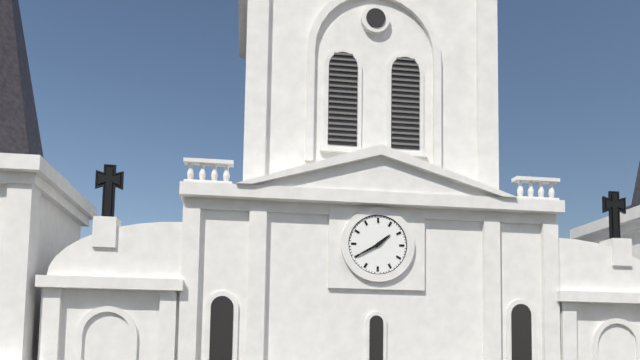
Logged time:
1h40
